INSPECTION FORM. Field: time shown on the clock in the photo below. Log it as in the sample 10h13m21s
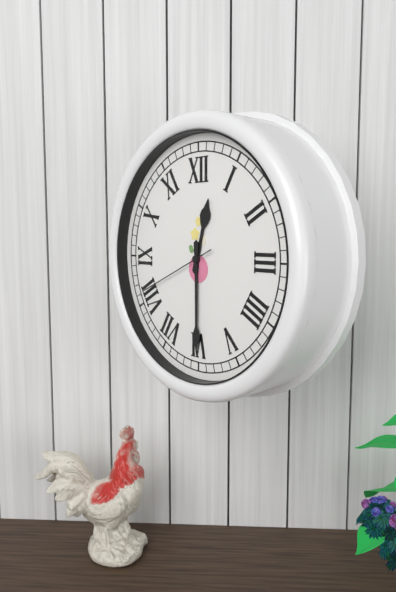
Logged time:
12h30m41s
